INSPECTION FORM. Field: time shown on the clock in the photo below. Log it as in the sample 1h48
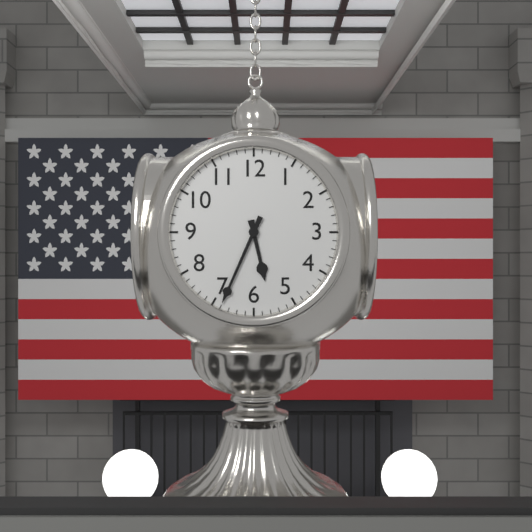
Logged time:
5h34
